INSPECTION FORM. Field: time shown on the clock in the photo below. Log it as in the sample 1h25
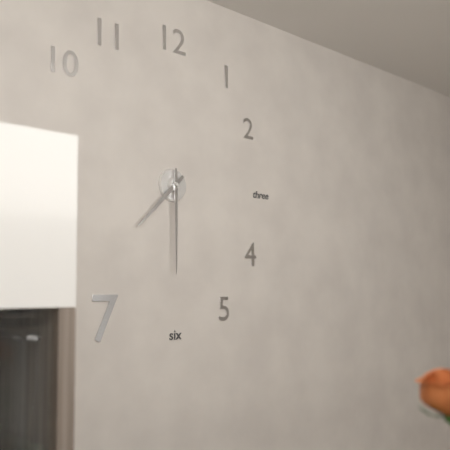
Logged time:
7h30
